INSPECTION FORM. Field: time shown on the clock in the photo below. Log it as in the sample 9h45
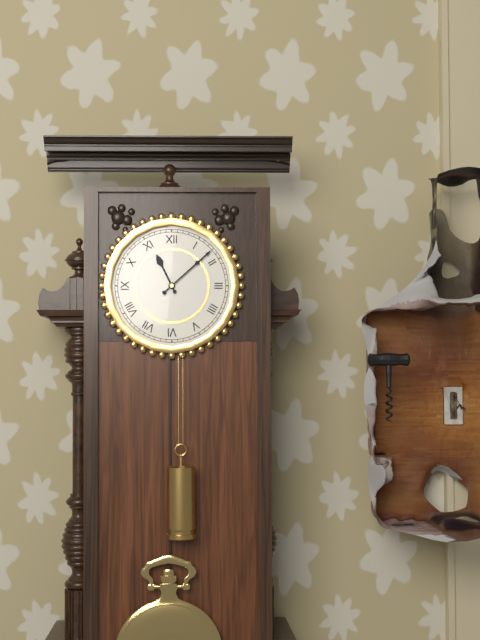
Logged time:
11h08
